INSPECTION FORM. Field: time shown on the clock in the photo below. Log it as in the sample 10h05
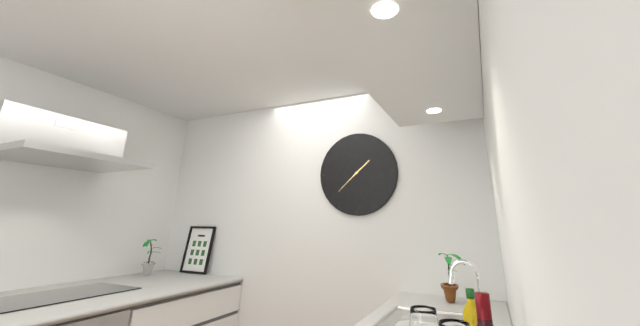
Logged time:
1h38
